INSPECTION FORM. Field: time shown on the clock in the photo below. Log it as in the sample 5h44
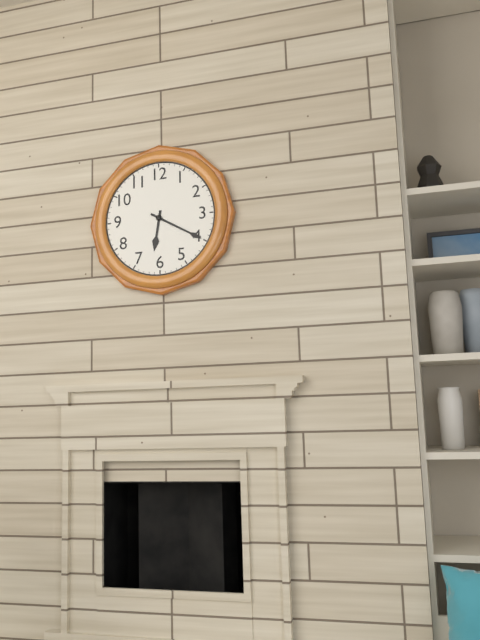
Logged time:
6h20
